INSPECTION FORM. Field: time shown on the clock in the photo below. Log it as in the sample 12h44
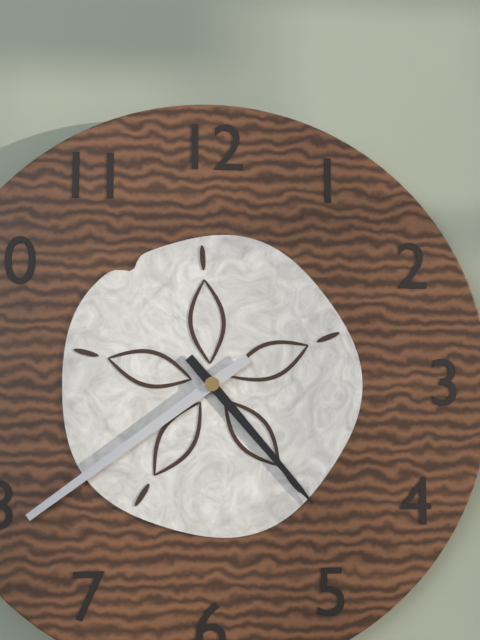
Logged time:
4h39
